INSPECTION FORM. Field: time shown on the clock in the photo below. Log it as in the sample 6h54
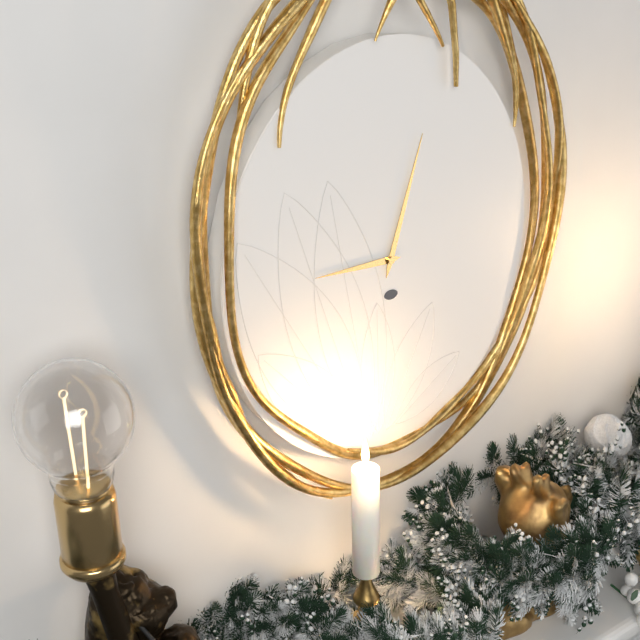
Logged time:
9h03
